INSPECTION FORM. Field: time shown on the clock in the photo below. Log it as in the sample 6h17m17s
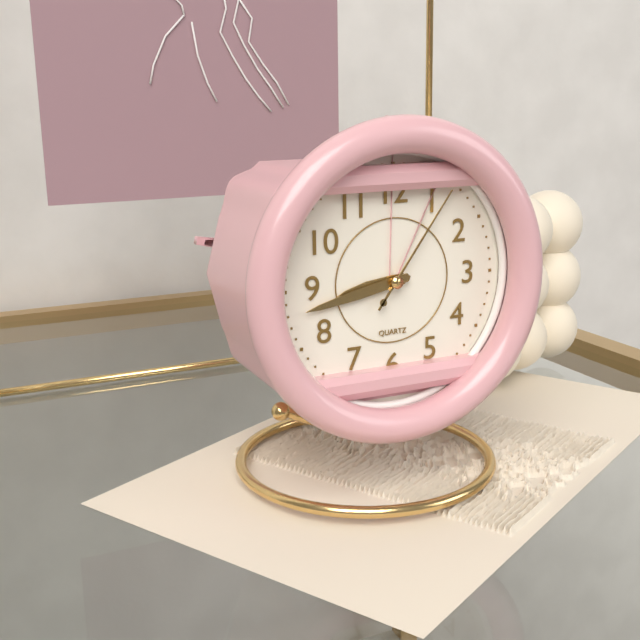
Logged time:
8h43m06s
